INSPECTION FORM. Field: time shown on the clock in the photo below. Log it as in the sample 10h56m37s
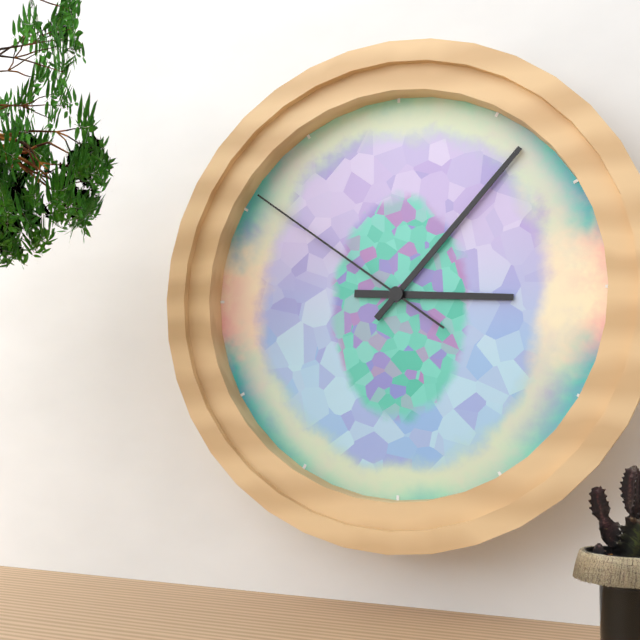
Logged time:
3h07m51s
